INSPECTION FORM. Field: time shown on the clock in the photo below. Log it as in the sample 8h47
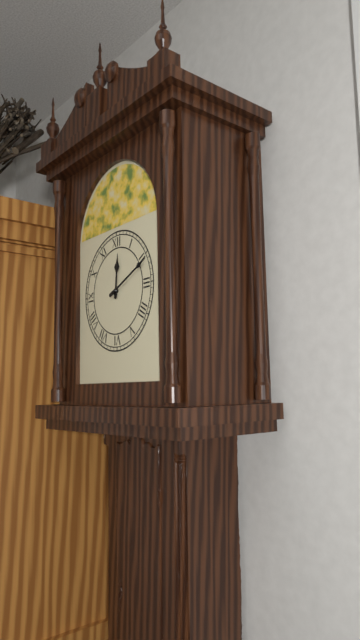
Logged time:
12h11
